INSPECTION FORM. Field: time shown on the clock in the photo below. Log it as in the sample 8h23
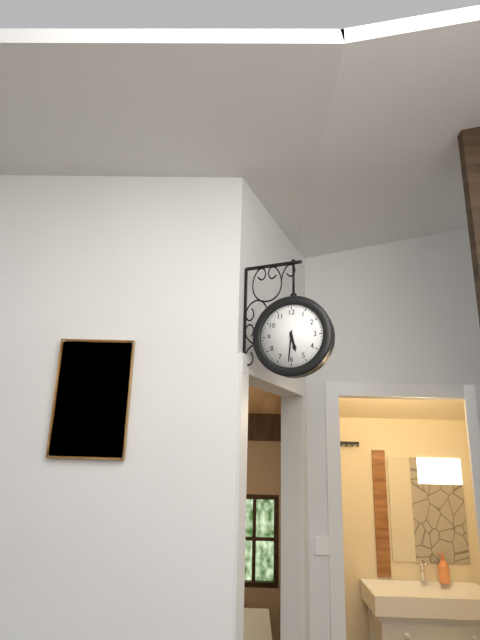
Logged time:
5h31
